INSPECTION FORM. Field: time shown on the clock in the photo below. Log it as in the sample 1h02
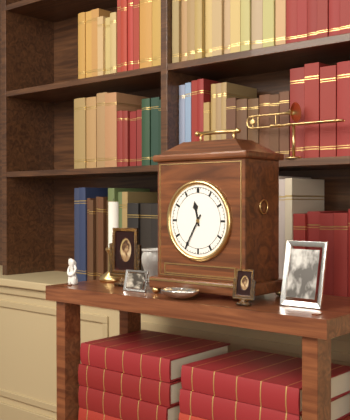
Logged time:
11h35
